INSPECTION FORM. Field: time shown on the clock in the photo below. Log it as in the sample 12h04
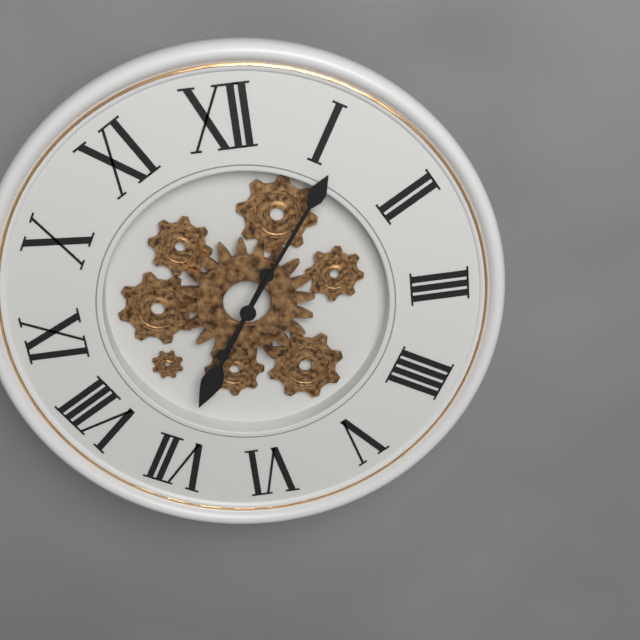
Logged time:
7h06
